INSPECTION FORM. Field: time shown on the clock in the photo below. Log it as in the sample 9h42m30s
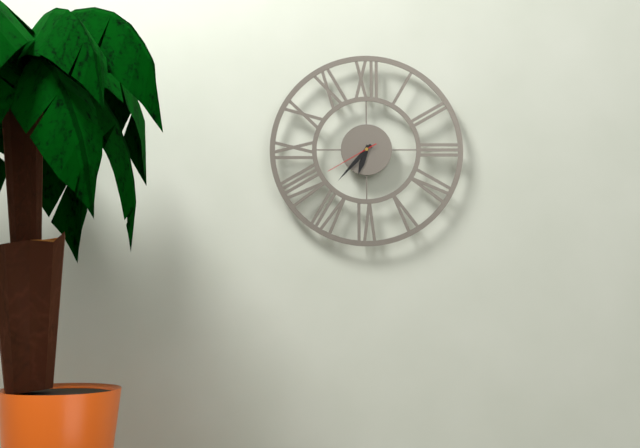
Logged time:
6h37m40s
